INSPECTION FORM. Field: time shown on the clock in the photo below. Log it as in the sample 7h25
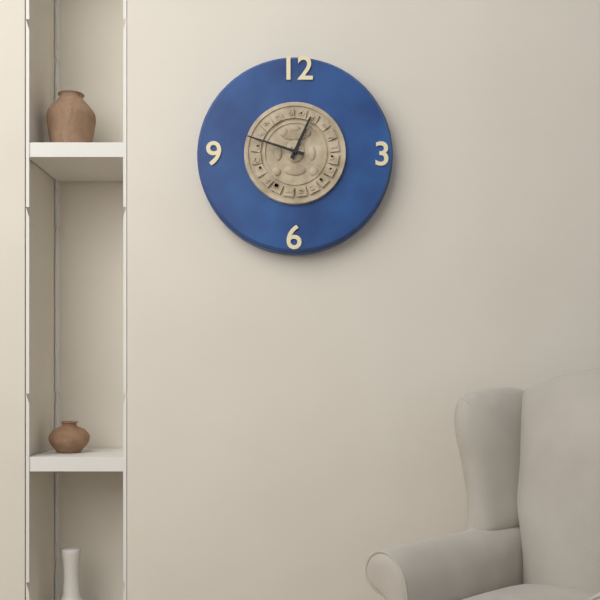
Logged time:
12h48
